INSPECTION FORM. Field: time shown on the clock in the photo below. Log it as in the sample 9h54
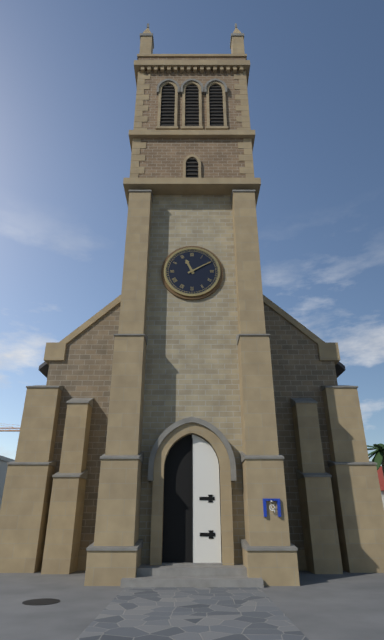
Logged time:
11h10
